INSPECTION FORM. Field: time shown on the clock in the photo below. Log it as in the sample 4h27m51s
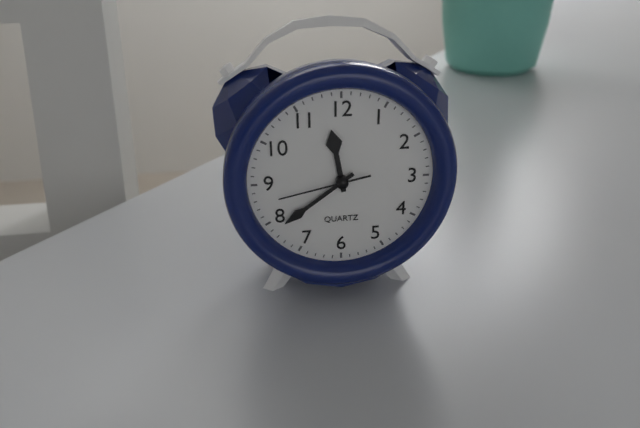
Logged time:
11h39m43s
